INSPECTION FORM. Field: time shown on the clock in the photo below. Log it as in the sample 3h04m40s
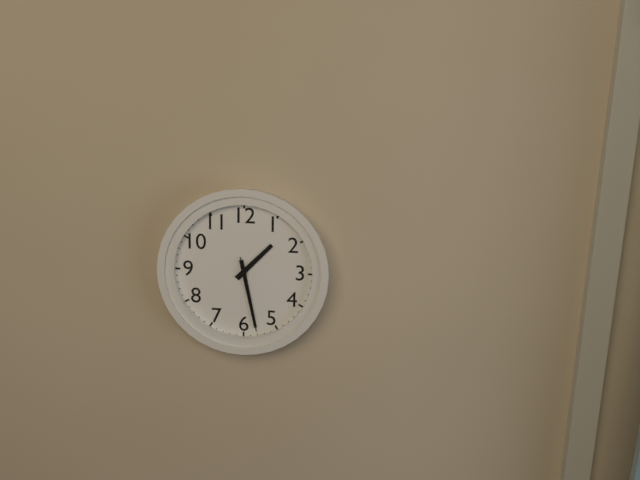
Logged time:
1h28m28s
